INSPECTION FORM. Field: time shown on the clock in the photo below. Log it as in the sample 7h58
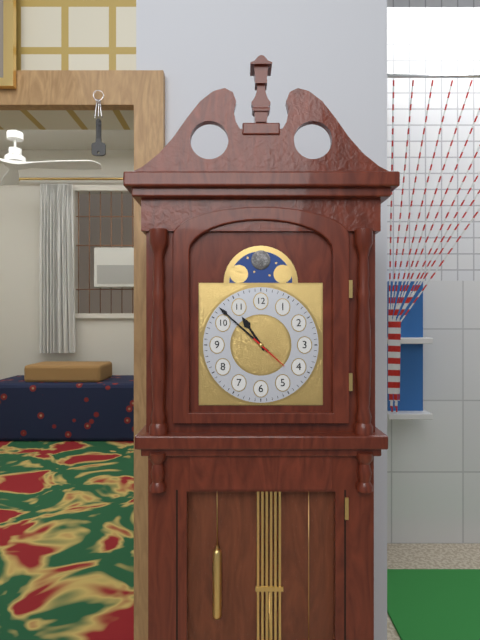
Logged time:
10h52
